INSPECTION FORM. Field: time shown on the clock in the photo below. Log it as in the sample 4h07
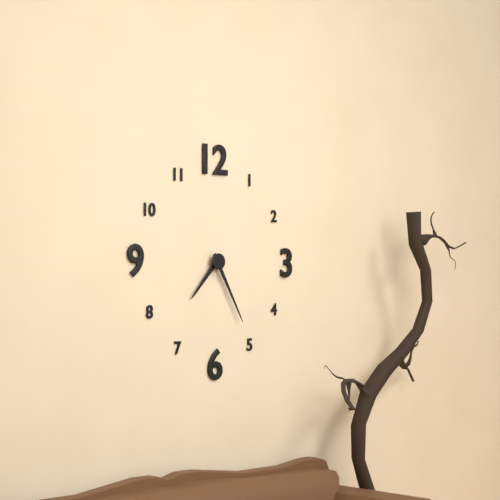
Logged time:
7h25
